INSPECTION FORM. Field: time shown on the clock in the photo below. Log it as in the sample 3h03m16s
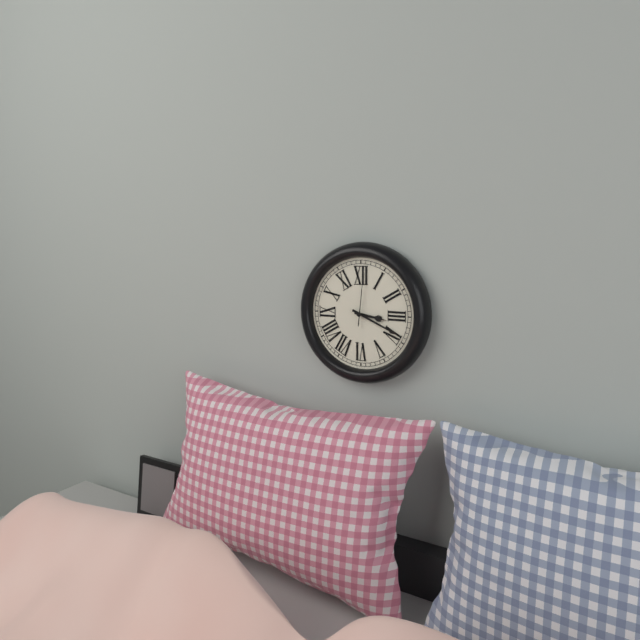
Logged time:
3h19m01s
